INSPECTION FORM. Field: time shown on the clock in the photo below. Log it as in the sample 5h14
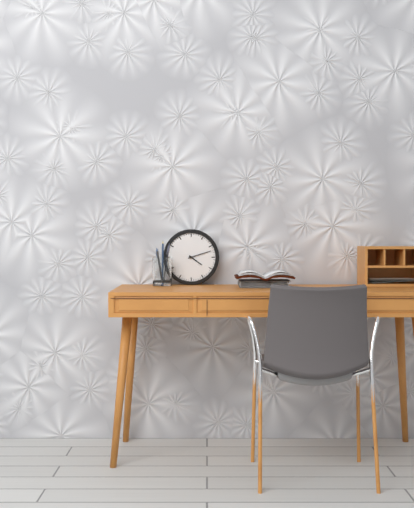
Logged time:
4h12
